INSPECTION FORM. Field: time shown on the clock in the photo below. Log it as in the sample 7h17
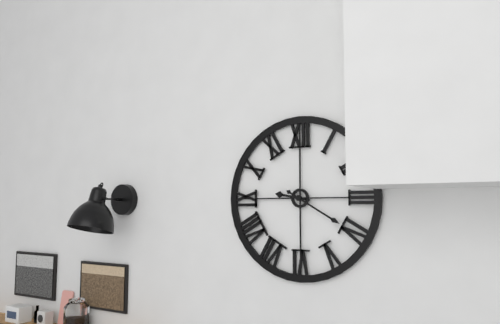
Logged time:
9h20
